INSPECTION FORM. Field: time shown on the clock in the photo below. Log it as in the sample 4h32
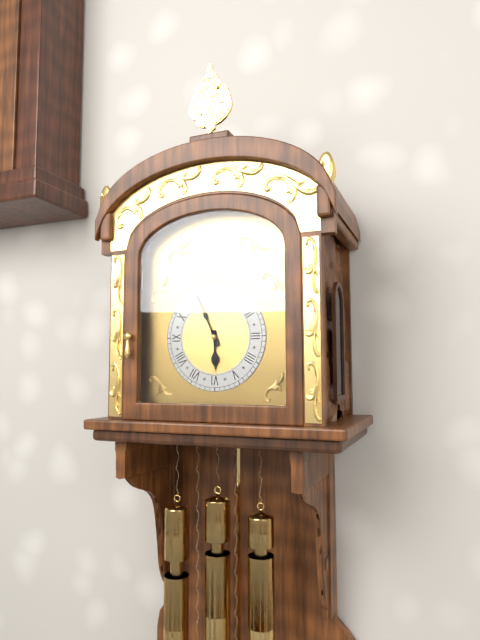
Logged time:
5h56
